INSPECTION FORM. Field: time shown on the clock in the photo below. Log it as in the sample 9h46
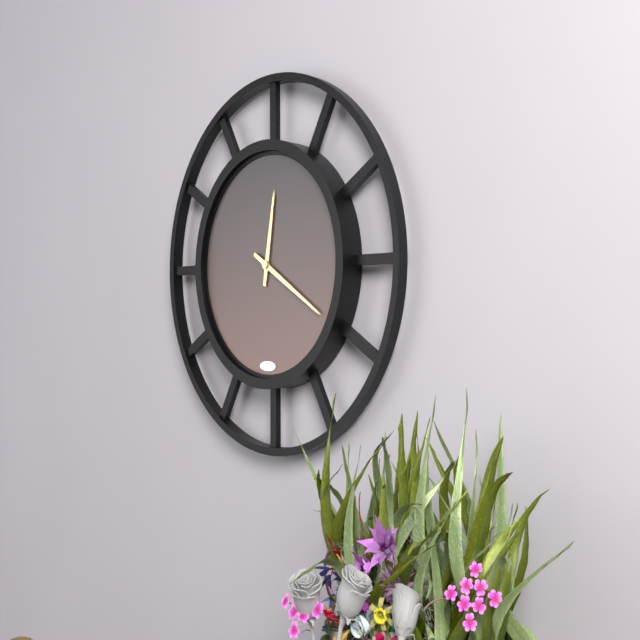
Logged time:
12h20
